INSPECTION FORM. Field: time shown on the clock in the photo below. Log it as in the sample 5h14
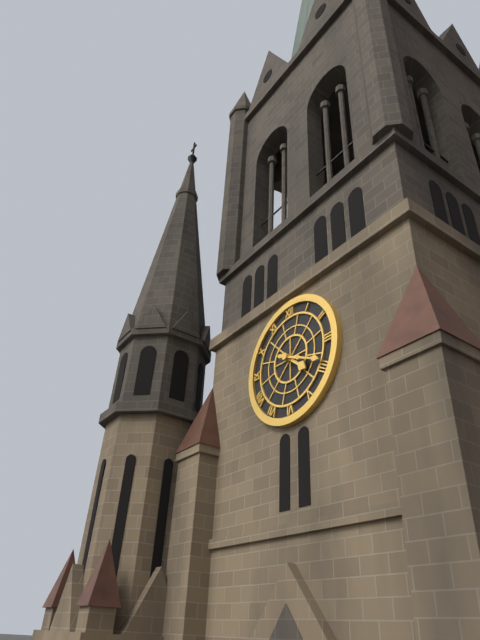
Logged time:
4h19
